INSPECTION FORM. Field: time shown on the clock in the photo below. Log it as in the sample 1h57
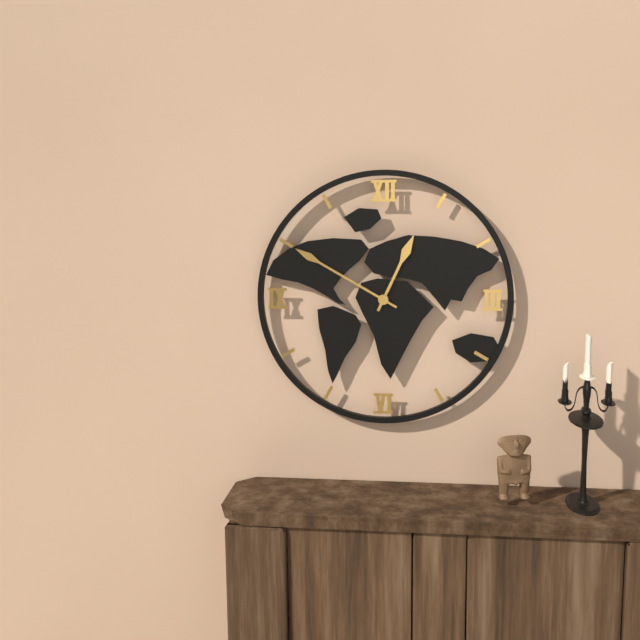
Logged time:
12h50
